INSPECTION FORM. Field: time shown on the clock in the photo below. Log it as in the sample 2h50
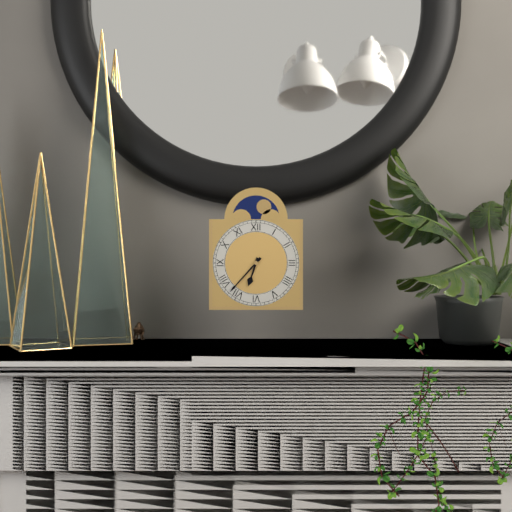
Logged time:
6h37
